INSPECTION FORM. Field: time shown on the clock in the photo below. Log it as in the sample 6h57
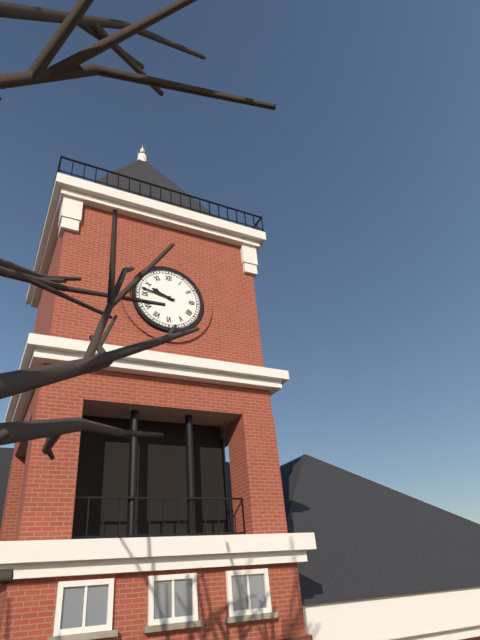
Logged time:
9h47
